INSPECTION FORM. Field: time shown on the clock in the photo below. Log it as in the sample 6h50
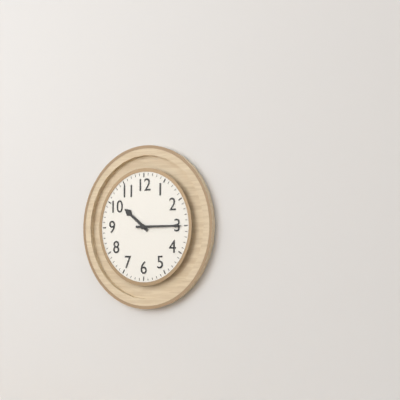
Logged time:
10h15
